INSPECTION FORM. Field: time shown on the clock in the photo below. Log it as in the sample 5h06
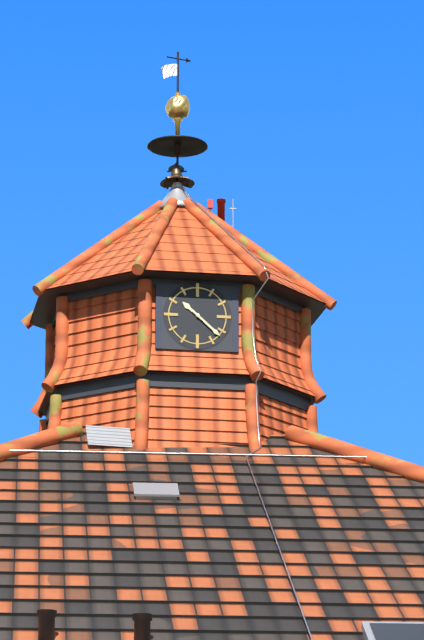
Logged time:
10h22
